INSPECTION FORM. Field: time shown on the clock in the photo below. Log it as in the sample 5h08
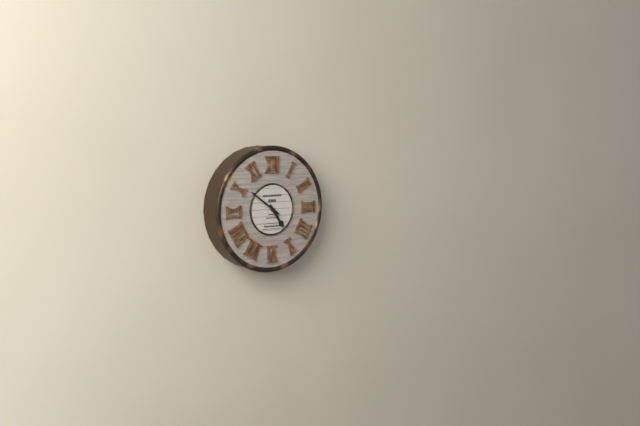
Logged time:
4h51
